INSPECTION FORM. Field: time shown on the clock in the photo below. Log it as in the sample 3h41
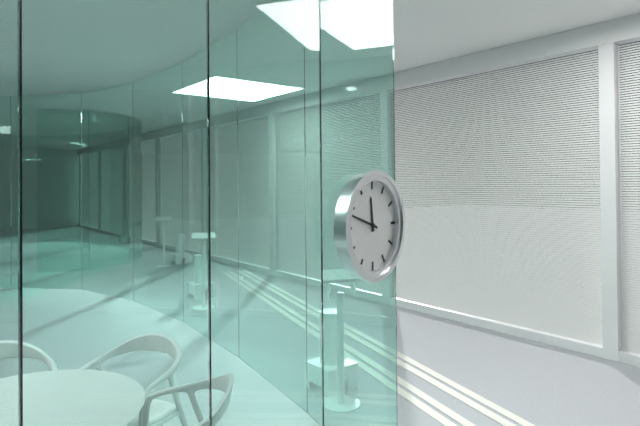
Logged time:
11h48
